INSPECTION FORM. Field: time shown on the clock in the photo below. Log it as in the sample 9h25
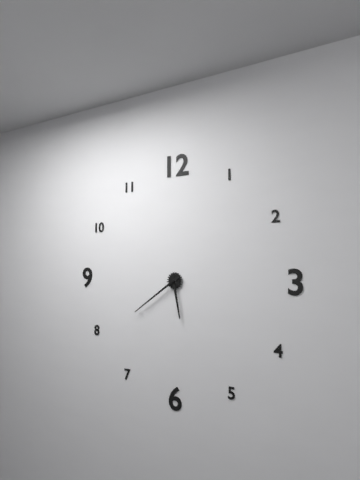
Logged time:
5h39
